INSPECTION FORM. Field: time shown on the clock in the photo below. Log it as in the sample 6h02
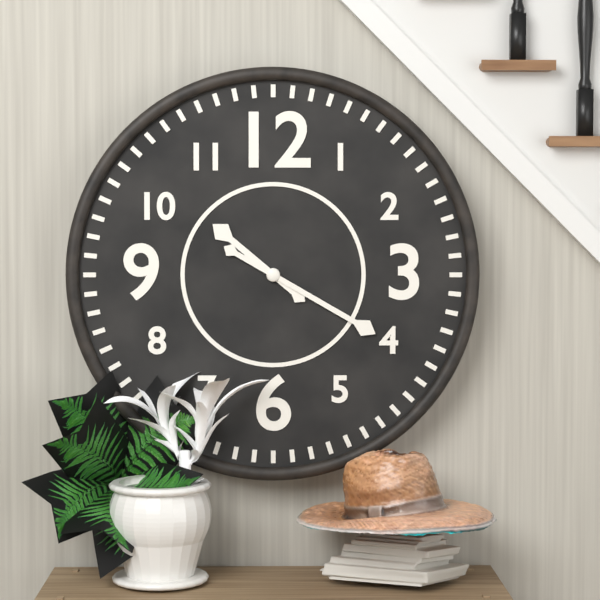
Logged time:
10h20
